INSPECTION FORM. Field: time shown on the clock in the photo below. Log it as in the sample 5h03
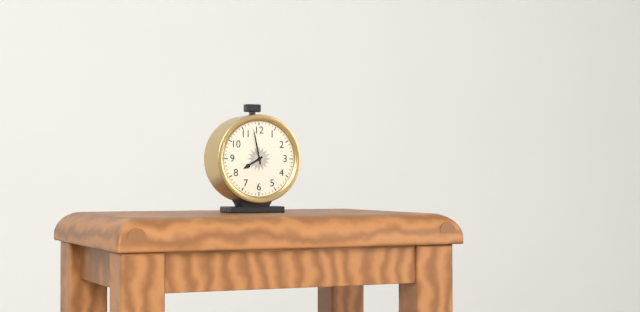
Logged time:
7h58
